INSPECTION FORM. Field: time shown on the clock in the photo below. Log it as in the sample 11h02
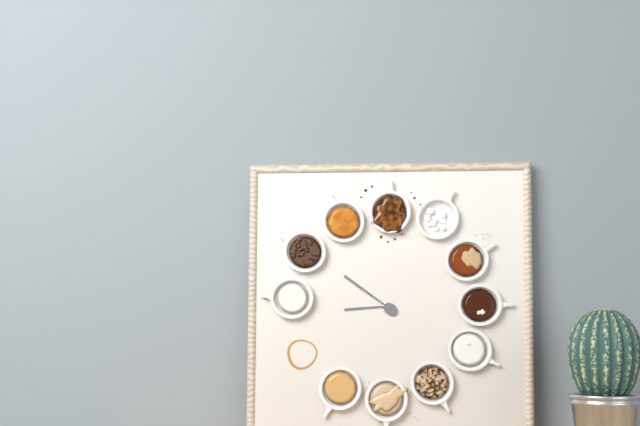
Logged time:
8h51
